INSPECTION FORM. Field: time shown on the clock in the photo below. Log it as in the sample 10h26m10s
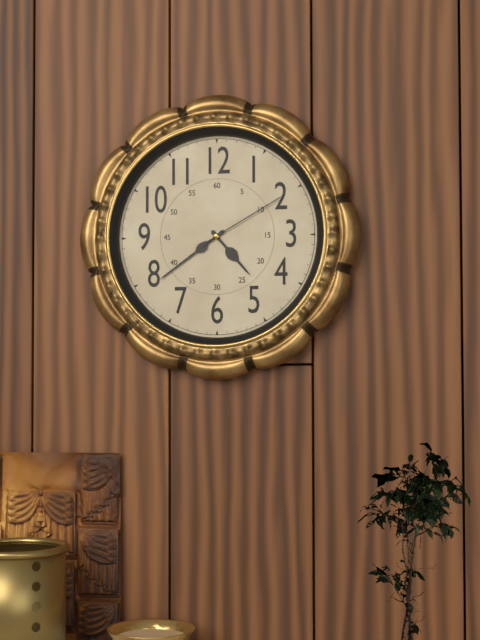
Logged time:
4h39m10s
